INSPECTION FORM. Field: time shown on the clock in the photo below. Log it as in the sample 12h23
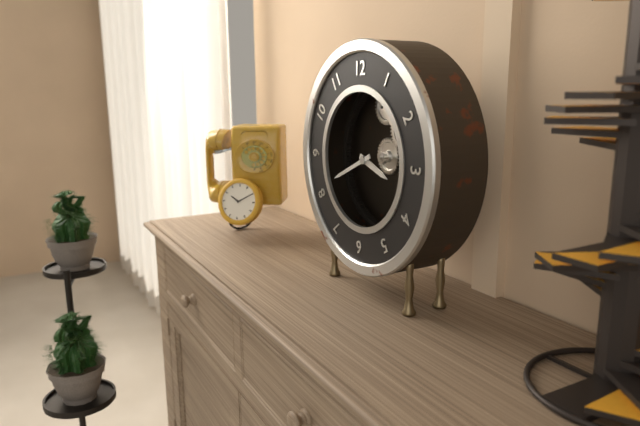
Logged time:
3h41
